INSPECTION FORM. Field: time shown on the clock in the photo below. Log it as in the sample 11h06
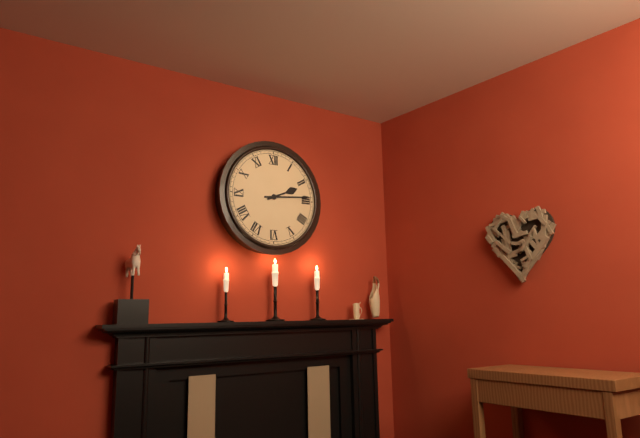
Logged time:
2h14
